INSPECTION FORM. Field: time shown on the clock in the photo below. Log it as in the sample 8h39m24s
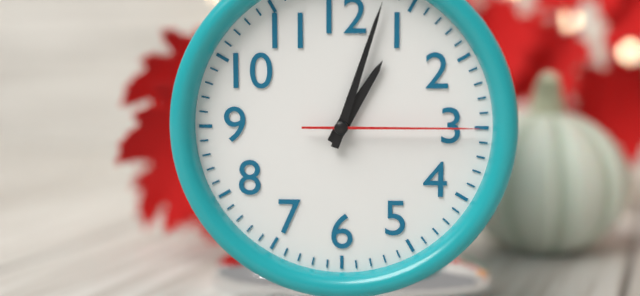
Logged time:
1h03m15s
